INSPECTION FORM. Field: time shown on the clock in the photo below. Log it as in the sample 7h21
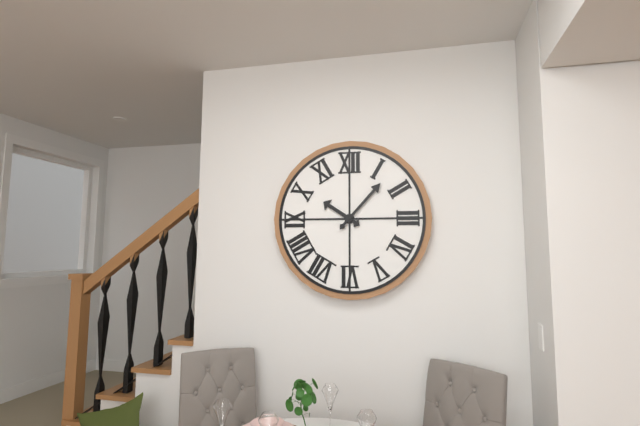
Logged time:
10h07
